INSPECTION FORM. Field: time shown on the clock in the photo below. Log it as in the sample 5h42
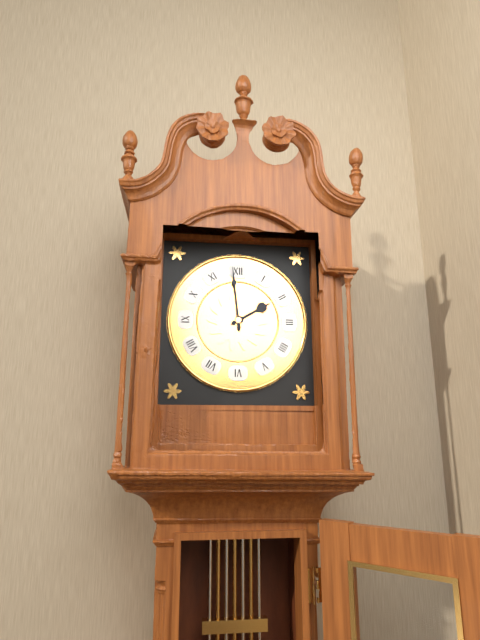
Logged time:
1h59
